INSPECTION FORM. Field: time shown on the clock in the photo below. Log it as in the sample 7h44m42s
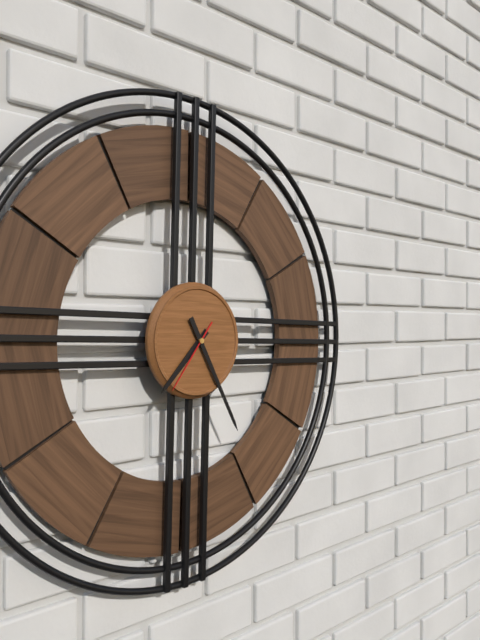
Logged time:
7h25m36s
